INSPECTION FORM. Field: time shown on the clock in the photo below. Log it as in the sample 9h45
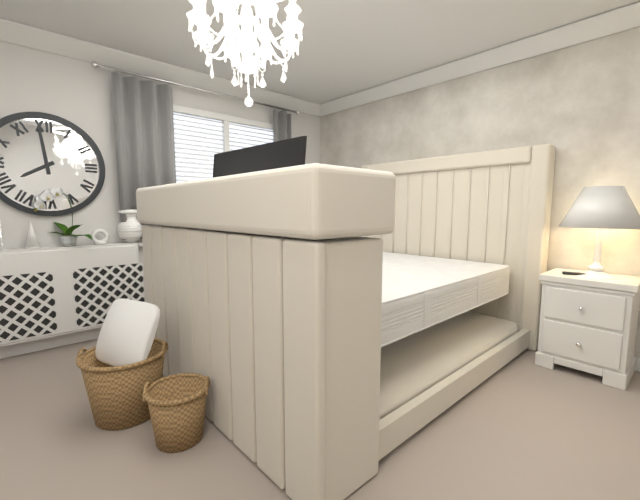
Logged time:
7h59
